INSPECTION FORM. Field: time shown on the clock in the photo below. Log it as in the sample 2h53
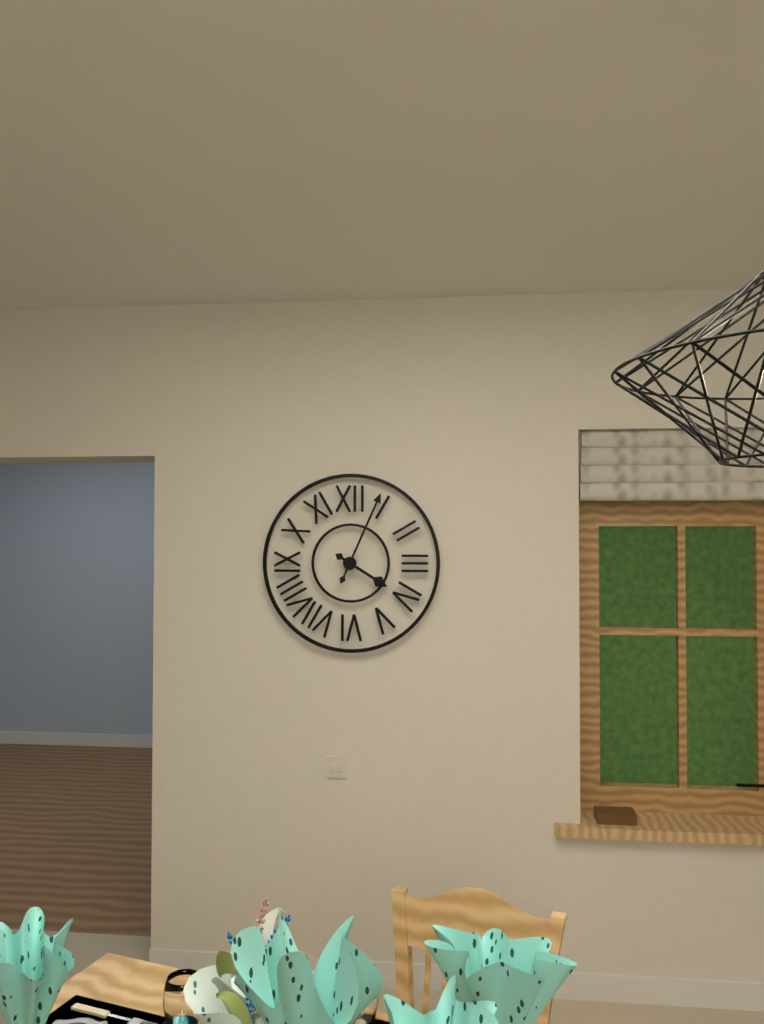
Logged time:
4h04
